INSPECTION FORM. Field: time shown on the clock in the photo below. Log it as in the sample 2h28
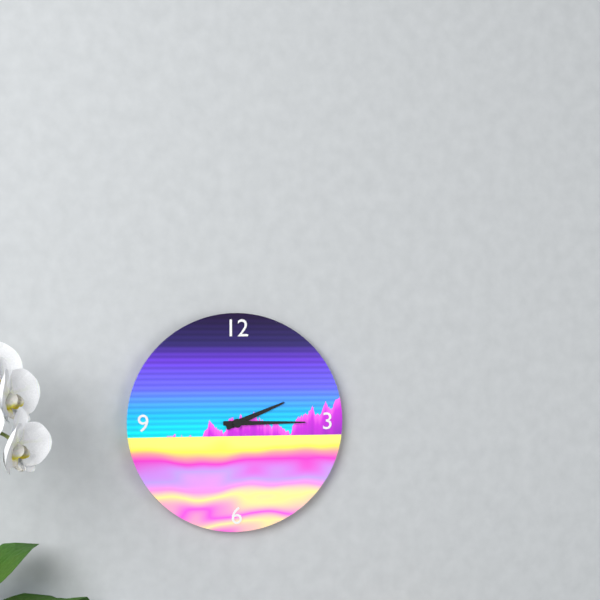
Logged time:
2h15
